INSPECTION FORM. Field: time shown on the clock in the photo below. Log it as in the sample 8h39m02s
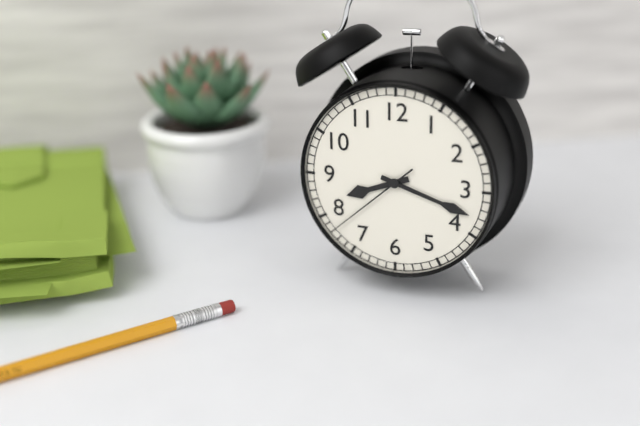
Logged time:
8h18m38s
